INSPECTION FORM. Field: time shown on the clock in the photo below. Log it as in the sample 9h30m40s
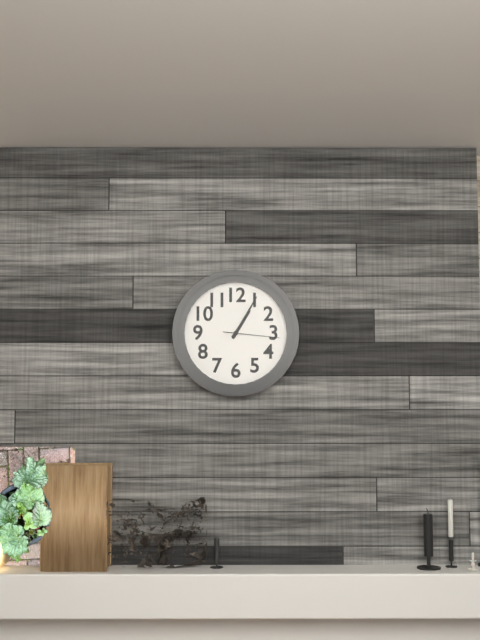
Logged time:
1h05m16s
